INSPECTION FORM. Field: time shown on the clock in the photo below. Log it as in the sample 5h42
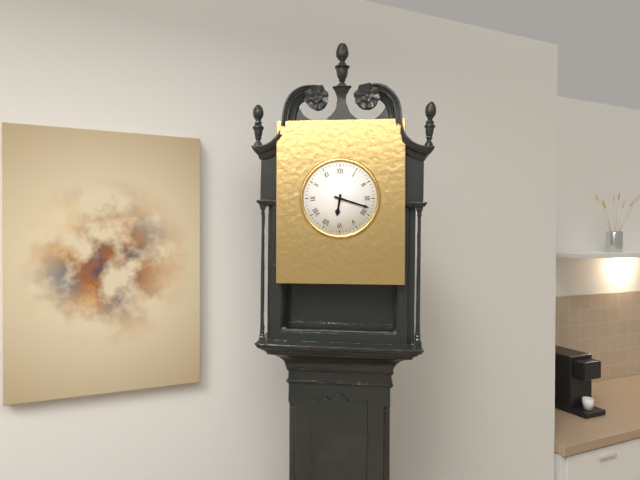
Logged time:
6h18
